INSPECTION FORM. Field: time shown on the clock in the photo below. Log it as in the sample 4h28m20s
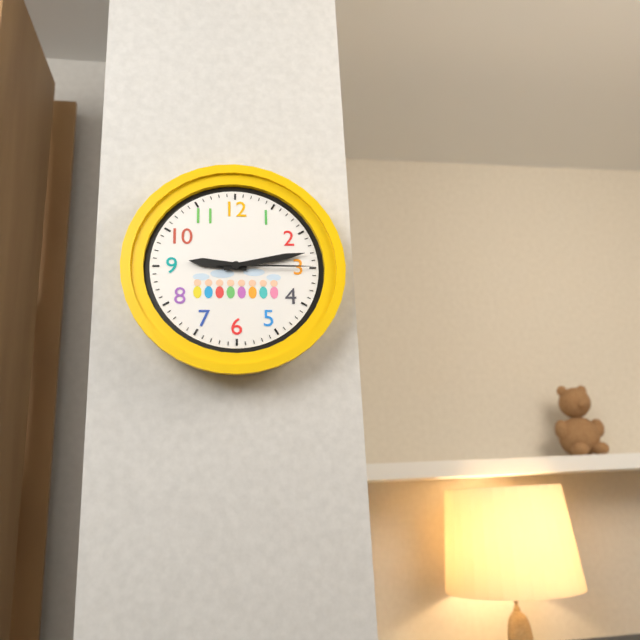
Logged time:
9h13m15s
